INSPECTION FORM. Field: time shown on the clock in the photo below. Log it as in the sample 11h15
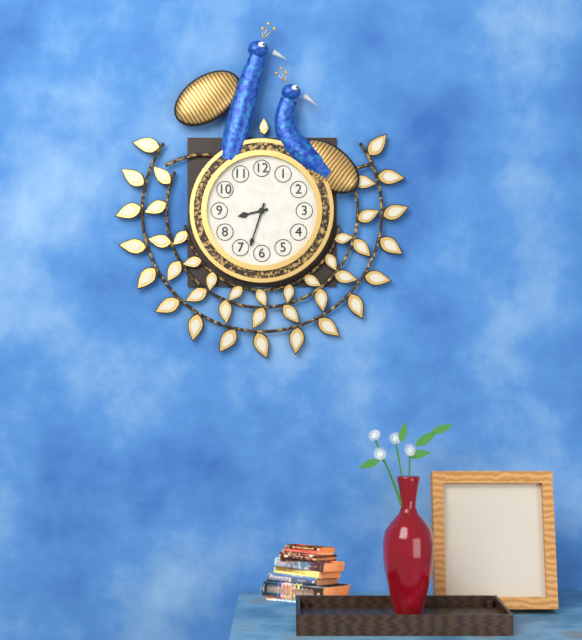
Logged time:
8h33
